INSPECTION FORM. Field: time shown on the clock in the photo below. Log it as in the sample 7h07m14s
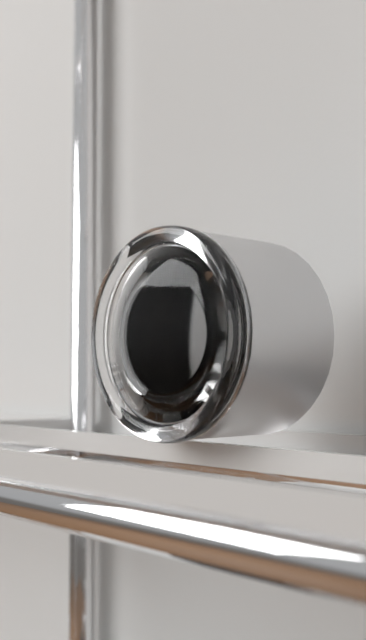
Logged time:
12h24m38s
